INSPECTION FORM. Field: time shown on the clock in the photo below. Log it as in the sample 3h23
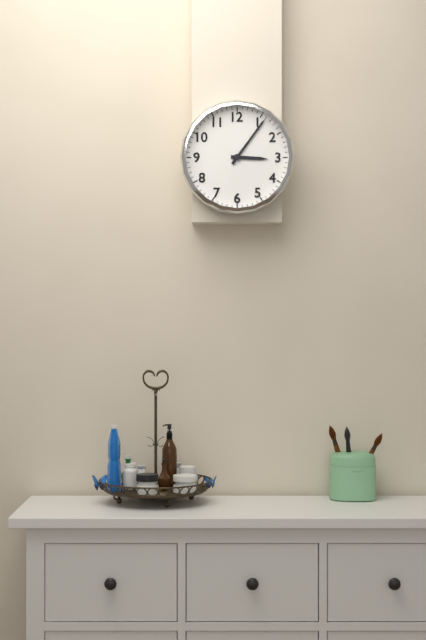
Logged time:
3h06
